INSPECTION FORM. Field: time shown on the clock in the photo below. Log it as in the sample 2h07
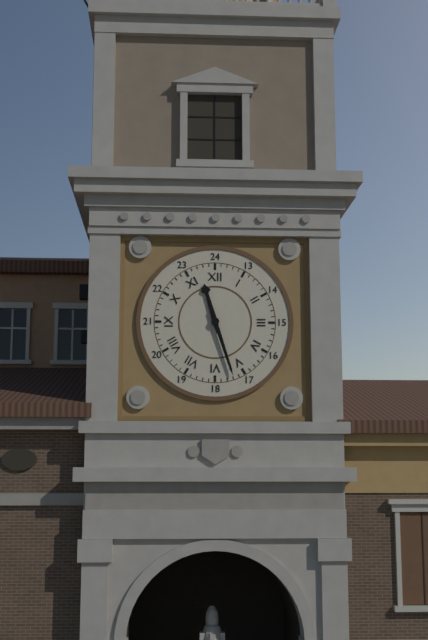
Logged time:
11h27
